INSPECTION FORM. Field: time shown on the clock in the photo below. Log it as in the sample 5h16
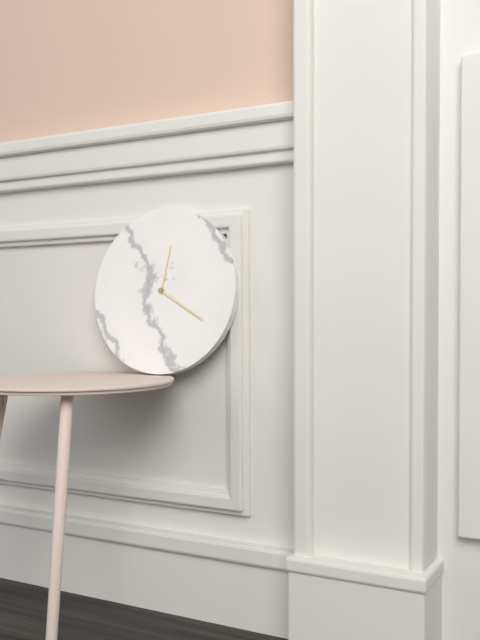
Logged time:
12h20
